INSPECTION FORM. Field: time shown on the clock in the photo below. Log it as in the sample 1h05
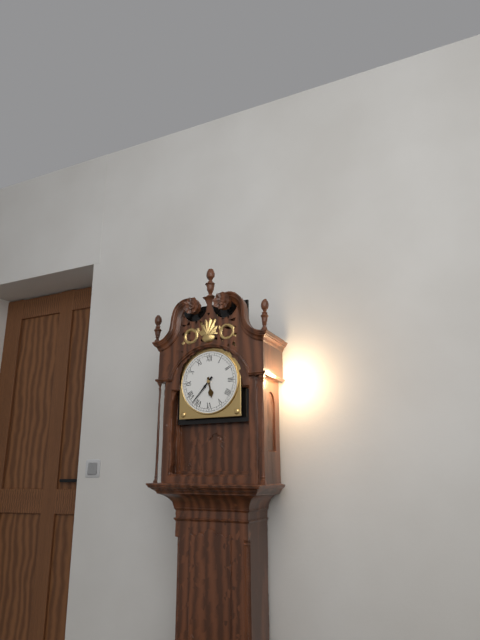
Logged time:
5h37
